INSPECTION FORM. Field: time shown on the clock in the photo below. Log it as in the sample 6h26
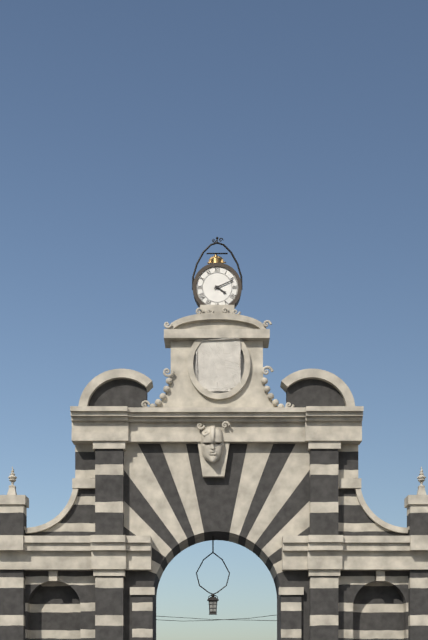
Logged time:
4h11
